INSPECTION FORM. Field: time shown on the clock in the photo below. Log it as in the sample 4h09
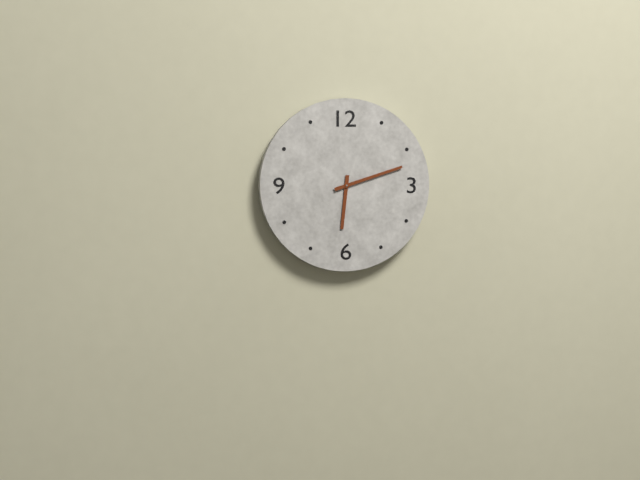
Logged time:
6h12
